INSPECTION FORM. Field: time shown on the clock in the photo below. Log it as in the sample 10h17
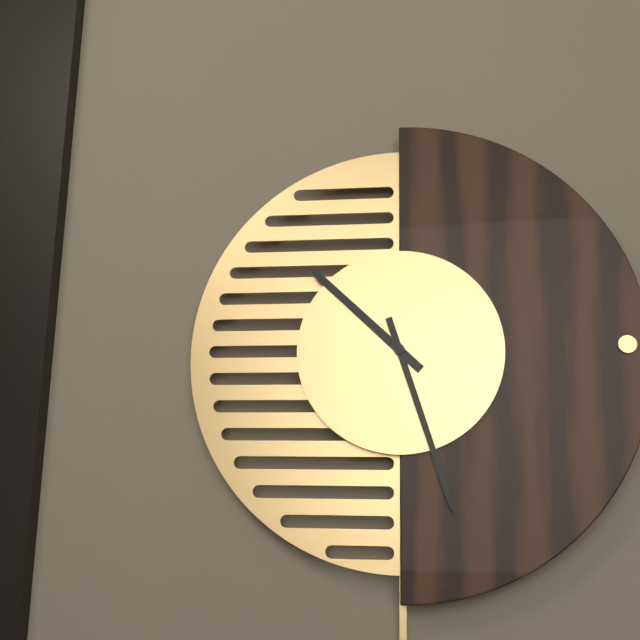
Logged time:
10h27
